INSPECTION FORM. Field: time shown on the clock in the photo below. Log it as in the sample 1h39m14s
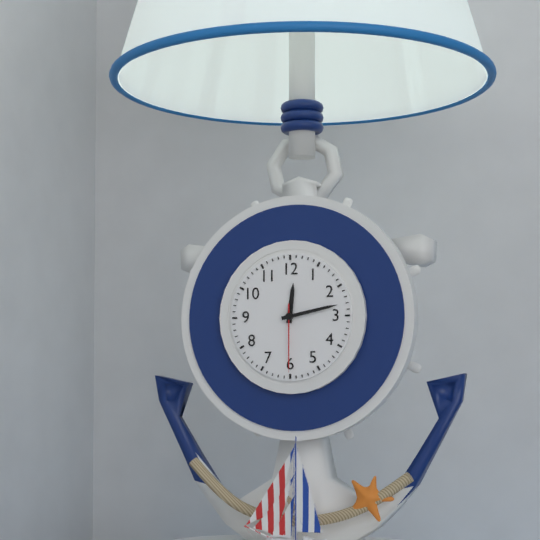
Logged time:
12h13m30s
